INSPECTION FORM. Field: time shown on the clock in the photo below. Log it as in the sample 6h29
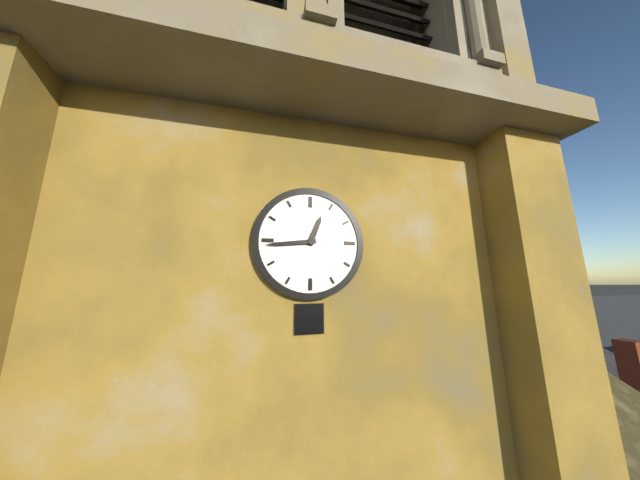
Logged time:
12h44
